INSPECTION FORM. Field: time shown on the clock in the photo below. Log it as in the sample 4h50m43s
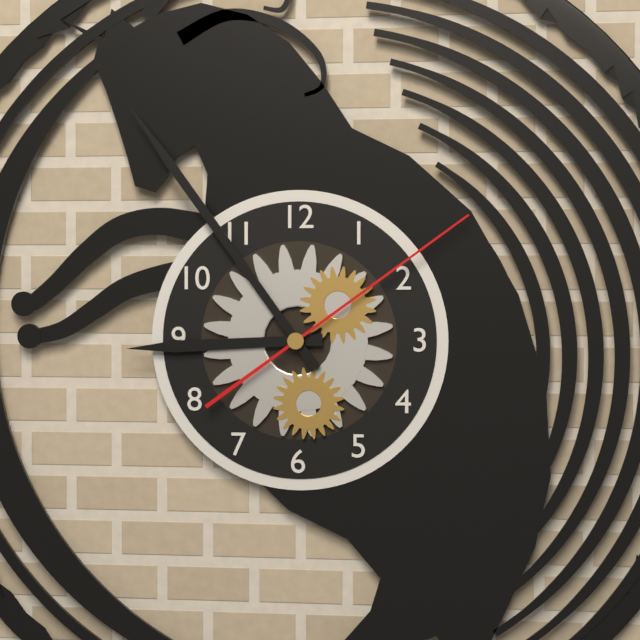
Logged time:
8h54m09s
